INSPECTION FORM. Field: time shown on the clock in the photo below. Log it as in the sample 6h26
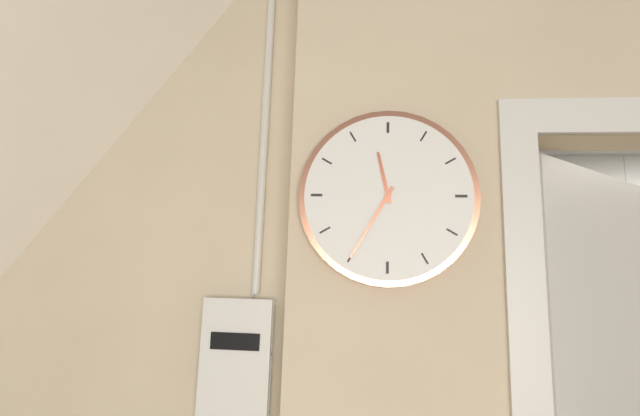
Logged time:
11h35
